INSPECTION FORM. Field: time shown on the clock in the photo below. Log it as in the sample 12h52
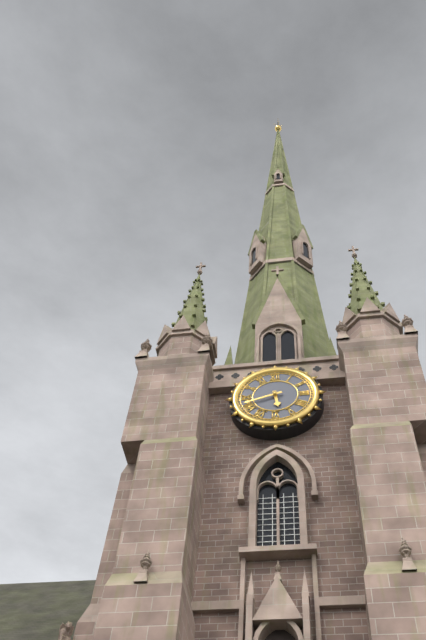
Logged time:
5h42
